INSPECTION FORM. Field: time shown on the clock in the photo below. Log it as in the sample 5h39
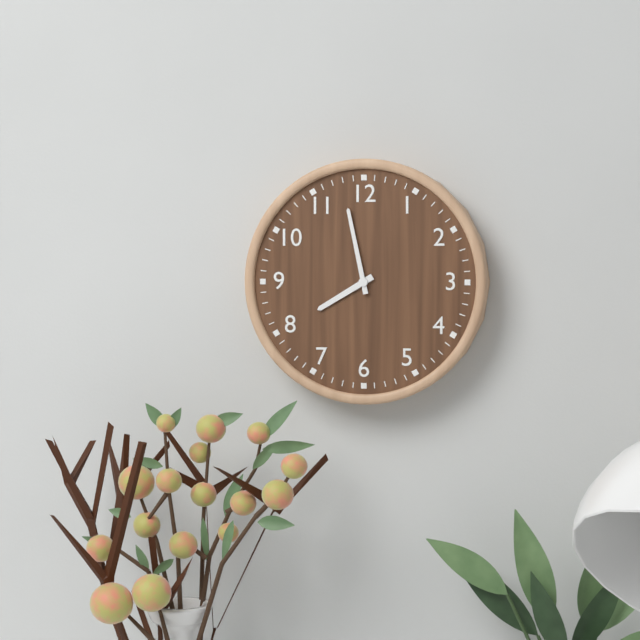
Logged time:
7h58
